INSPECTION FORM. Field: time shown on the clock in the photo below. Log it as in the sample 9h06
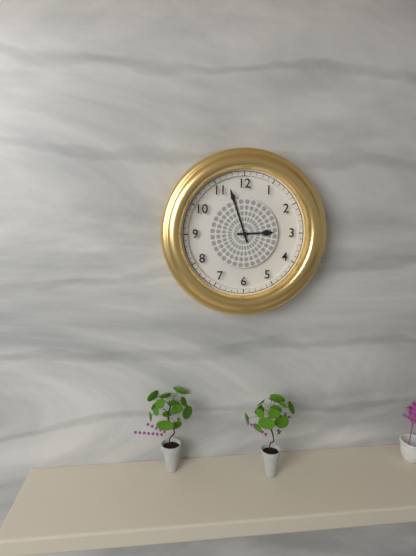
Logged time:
2h57
